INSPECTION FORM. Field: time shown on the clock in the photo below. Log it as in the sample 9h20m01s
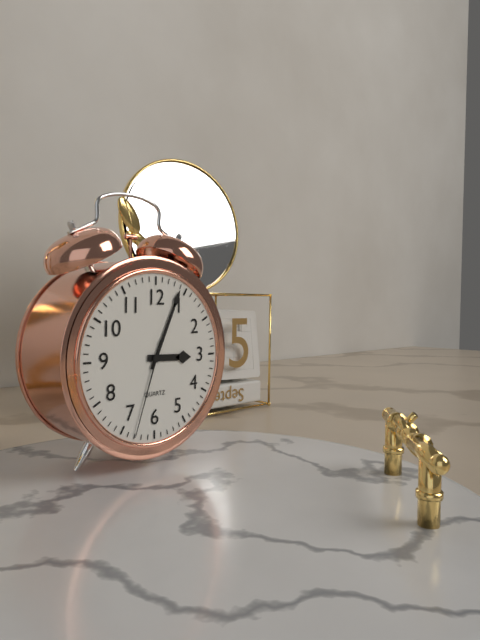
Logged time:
3h04m33s
